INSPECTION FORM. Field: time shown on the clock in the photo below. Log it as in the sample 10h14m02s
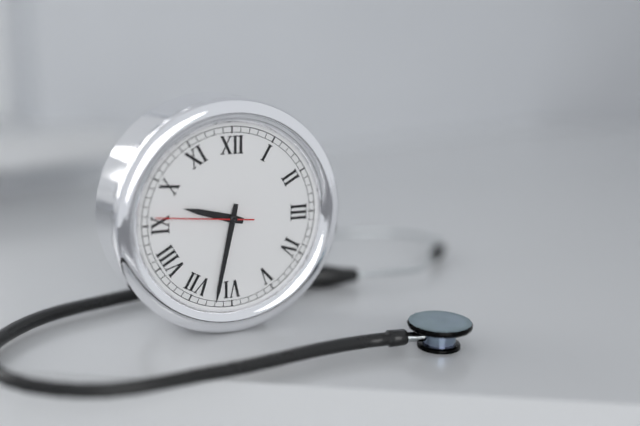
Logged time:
9h32m46s
